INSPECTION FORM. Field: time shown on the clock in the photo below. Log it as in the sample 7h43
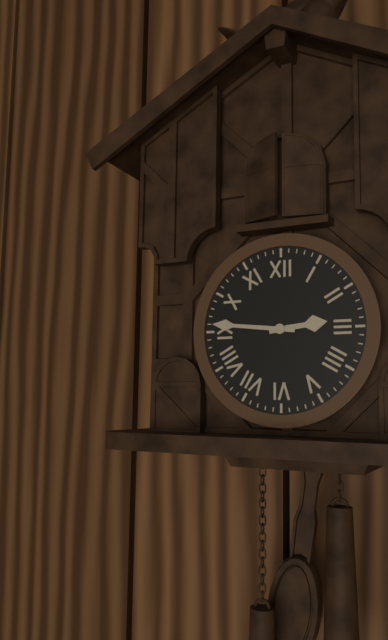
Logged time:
2h46
